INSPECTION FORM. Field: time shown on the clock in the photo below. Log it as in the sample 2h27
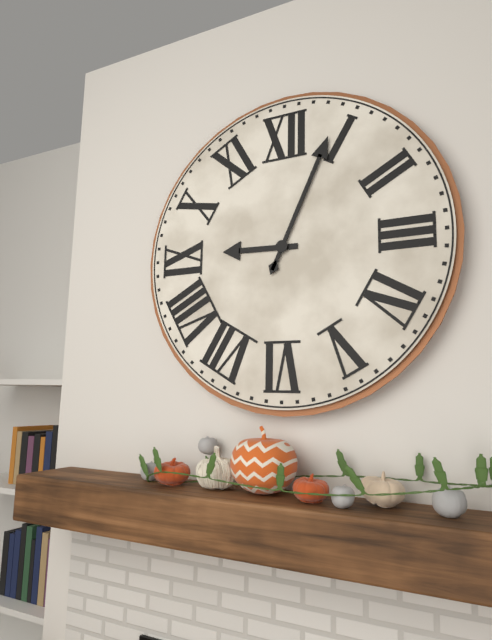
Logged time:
9h04
